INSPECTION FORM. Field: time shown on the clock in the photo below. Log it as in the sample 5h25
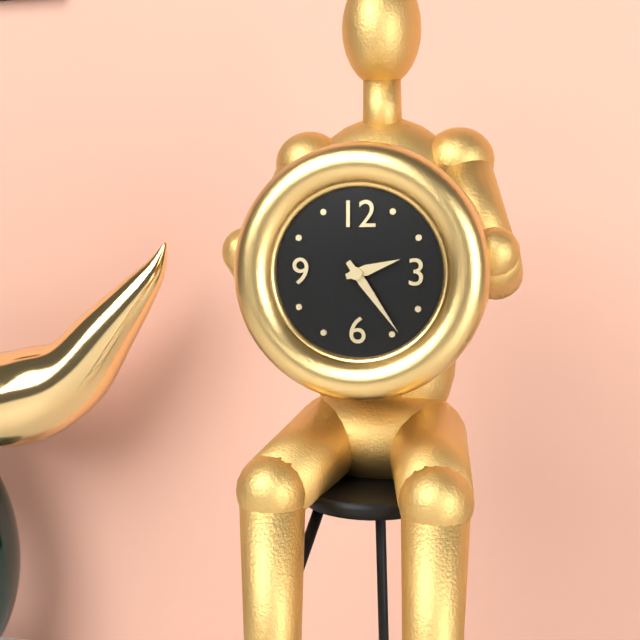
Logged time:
2h24
